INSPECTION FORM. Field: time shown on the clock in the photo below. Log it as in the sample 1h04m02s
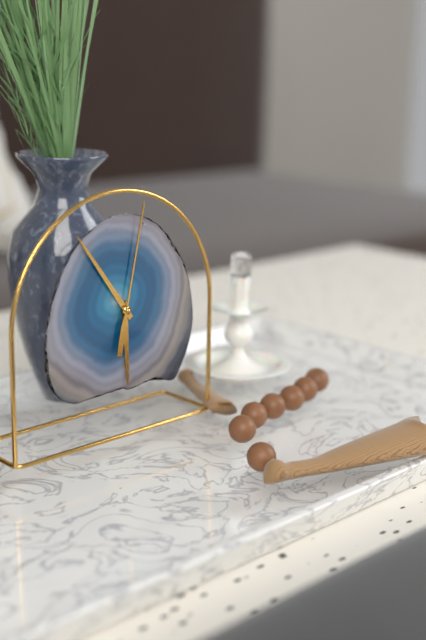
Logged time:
5h54m02s
